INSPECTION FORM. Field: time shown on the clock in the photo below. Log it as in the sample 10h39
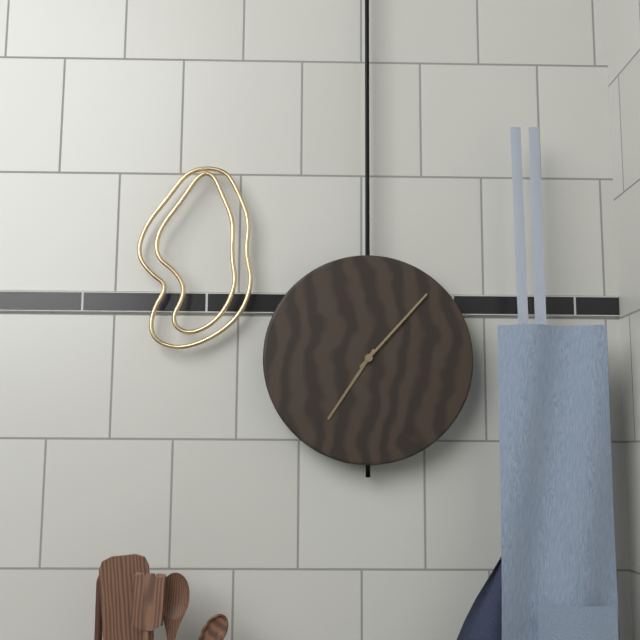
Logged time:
7h07
